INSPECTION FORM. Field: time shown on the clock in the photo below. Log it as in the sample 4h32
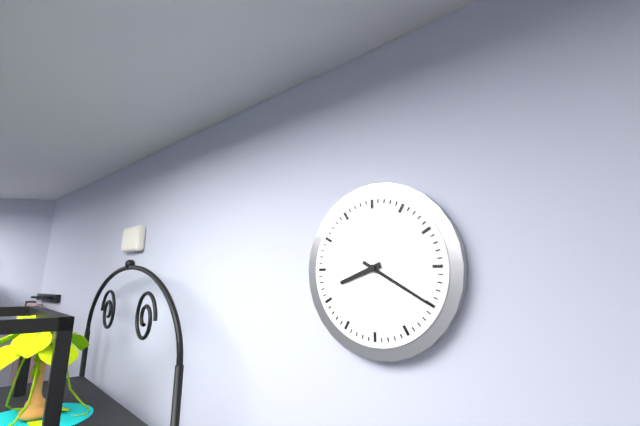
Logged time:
8h20
